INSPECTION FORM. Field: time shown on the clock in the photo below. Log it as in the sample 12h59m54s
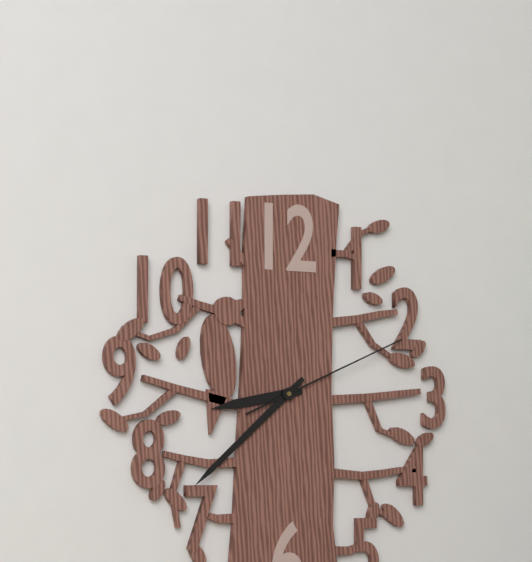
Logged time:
8h38m11s
